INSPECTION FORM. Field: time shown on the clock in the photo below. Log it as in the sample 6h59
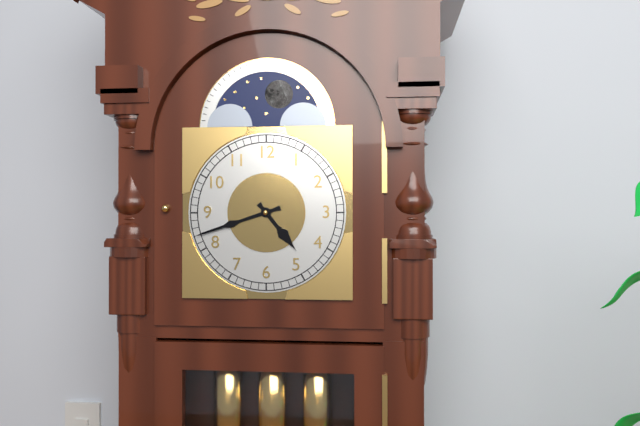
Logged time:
4h42
